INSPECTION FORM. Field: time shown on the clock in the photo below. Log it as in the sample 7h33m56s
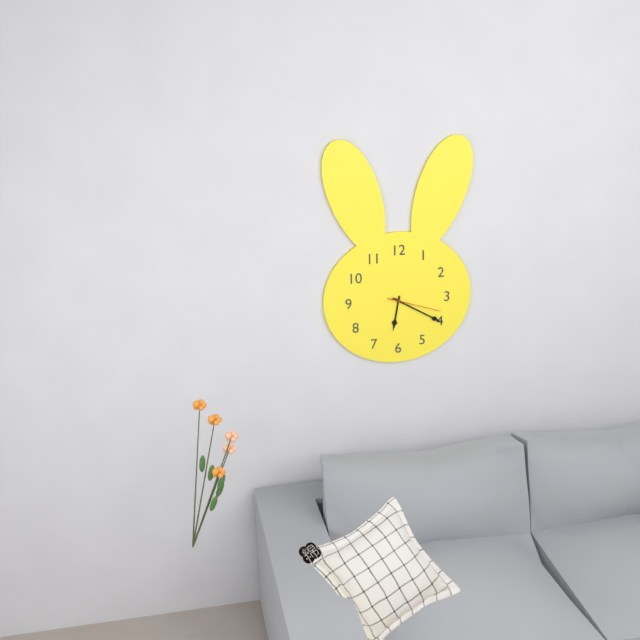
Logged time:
6h20m18s
